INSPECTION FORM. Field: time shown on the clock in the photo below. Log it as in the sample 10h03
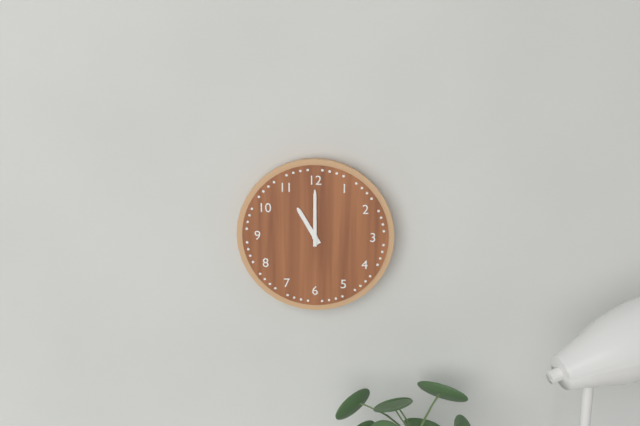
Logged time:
11h00
